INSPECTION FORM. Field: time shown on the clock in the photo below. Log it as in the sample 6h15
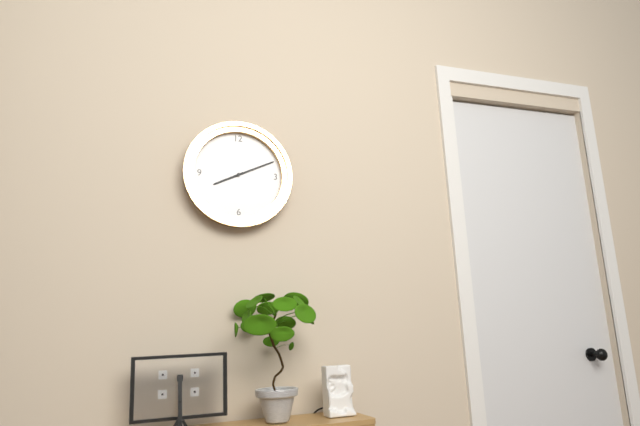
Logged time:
8h11
